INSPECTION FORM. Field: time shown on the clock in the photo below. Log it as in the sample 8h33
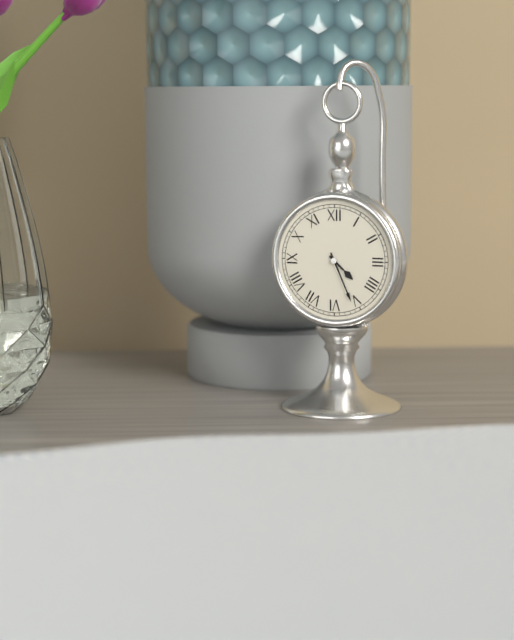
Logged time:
4h26
